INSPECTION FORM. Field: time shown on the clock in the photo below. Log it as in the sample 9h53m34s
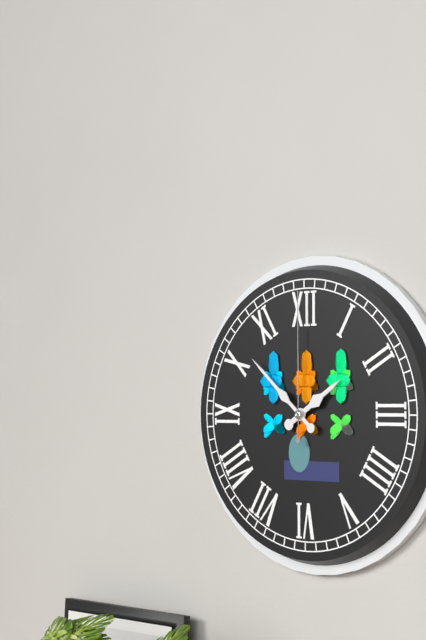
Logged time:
1h52m00s
